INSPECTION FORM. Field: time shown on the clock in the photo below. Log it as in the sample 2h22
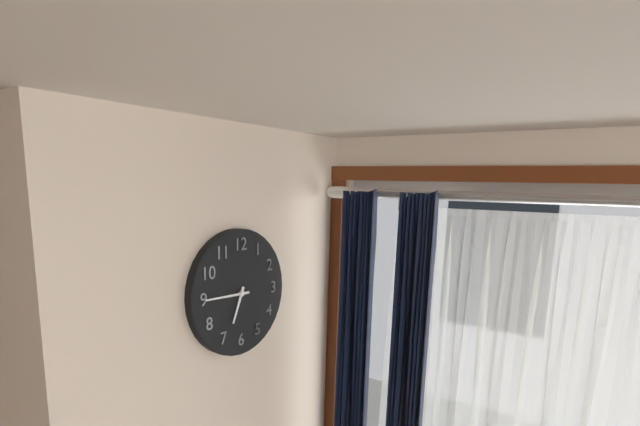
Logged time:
6h45
